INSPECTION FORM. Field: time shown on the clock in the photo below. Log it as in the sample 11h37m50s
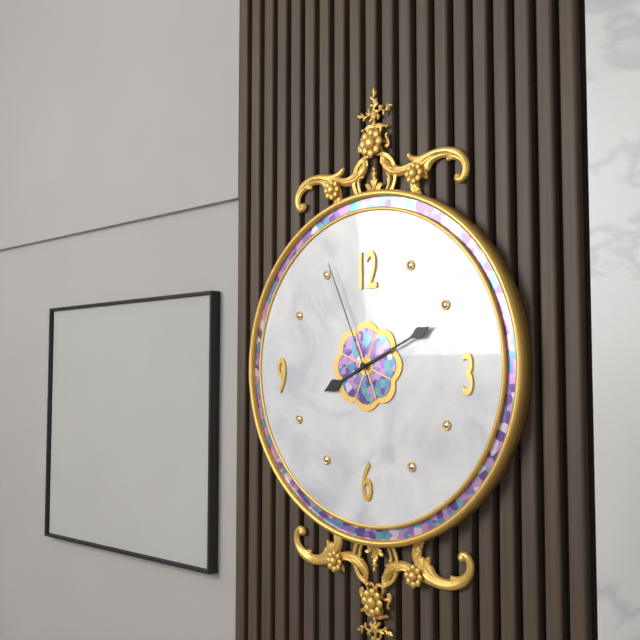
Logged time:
8h11m56s
